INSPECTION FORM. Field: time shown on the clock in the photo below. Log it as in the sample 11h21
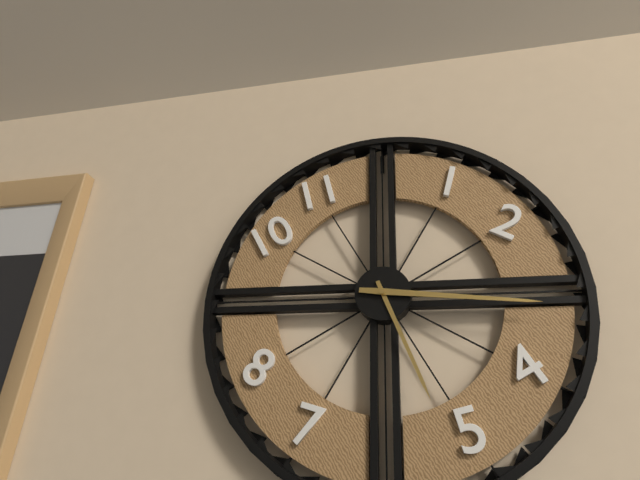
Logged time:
5h16
